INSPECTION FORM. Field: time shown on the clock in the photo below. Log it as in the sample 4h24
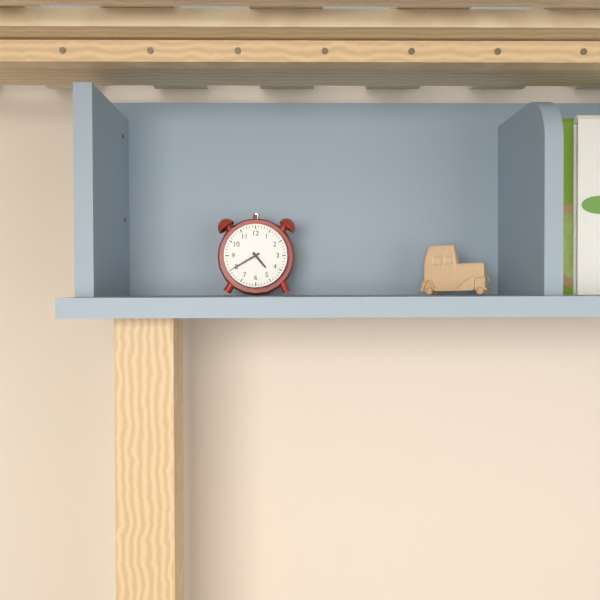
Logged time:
4h40
